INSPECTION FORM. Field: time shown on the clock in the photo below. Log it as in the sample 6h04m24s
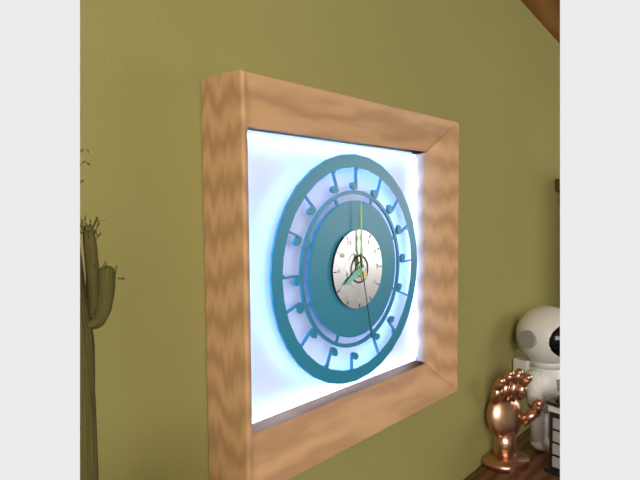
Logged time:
8h00m28s
